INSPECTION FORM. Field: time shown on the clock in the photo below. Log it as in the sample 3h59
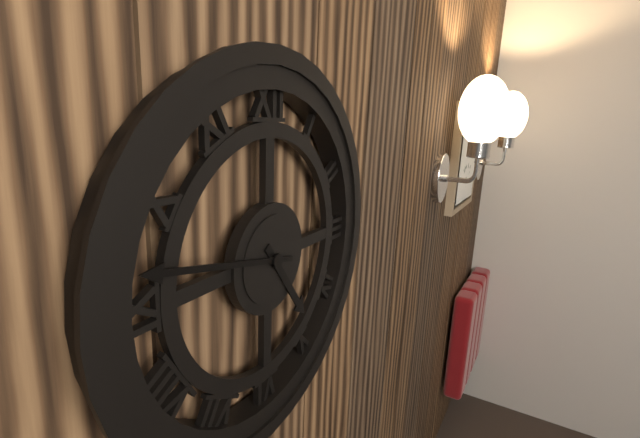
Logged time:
4h47
